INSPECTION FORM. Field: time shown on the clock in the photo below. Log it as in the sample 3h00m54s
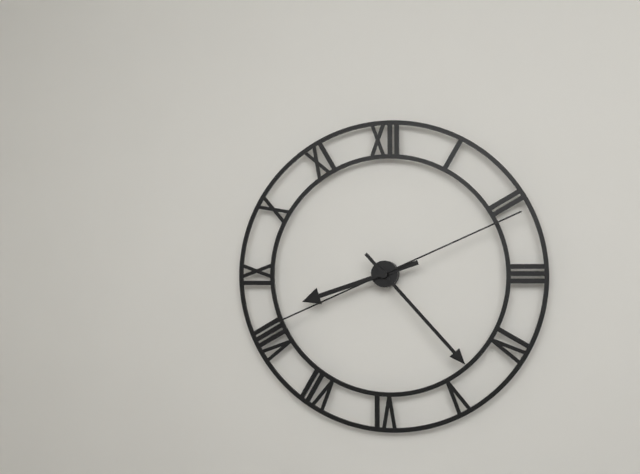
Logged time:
8h23m11s
